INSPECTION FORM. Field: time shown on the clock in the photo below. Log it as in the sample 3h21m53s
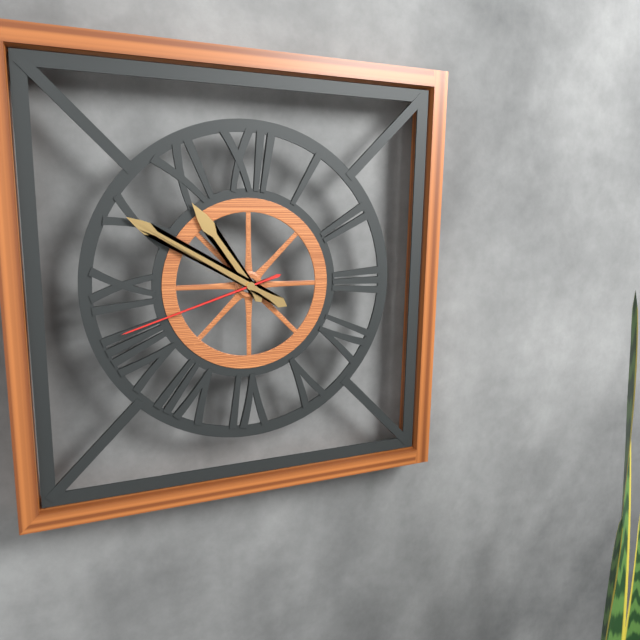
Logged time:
10h50m42s
